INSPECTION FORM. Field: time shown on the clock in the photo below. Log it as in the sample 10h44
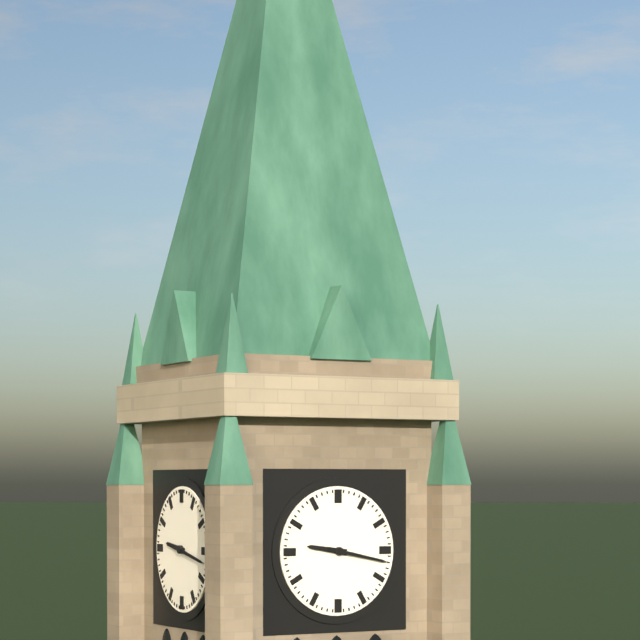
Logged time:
9h17
